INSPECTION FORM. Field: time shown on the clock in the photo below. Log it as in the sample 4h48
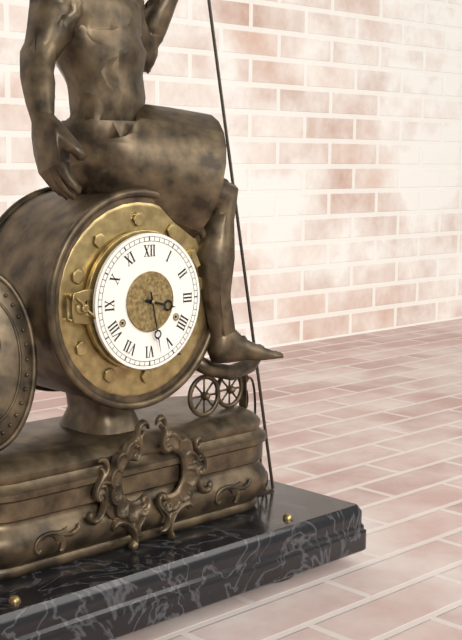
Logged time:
3h28
